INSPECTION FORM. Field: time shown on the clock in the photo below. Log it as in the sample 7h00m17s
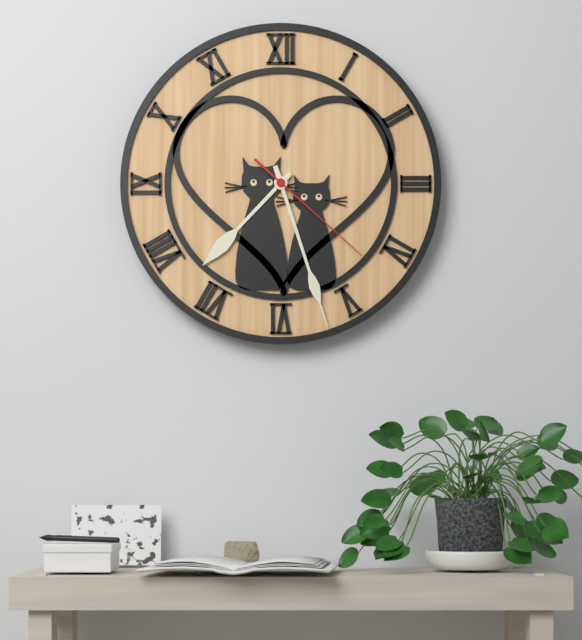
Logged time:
7h27m22s
